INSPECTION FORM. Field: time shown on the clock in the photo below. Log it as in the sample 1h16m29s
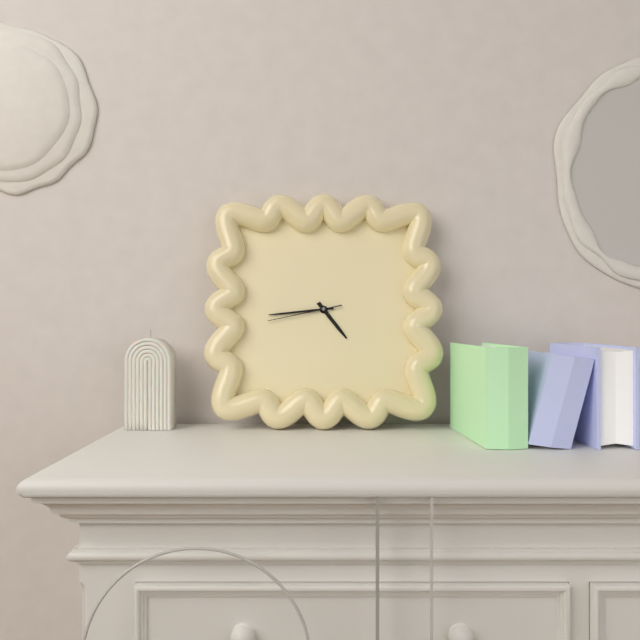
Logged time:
4h44m43s
